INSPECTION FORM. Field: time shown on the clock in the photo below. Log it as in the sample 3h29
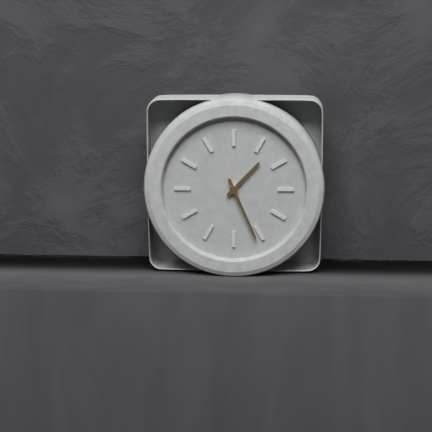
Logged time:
1h26
